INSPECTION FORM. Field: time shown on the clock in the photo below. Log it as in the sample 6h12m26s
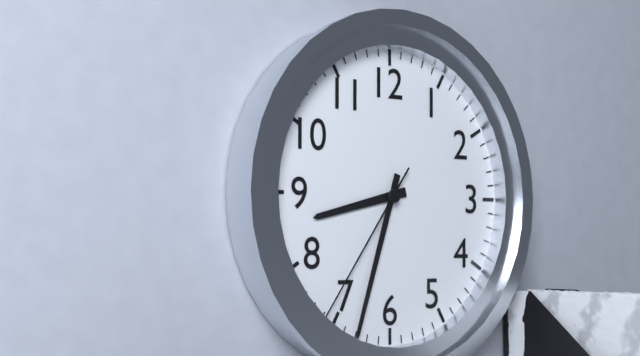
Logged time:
8h33m36s
